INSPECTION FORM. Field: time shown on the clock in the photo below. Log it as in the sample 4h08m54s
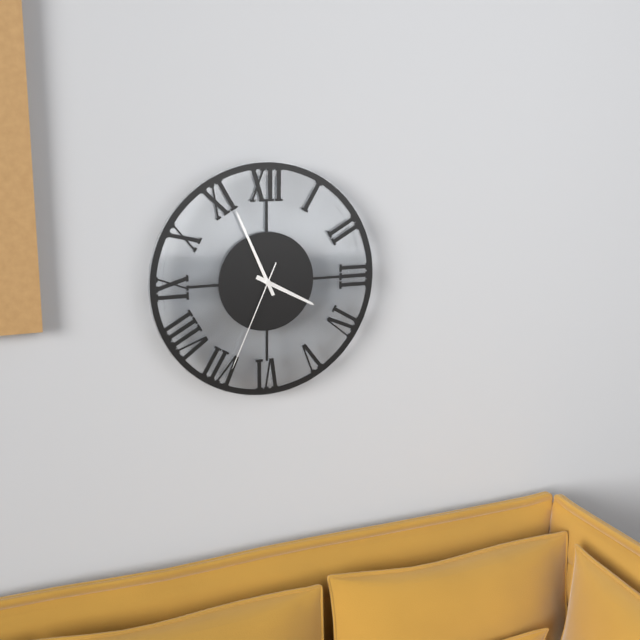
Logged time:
3h56m34s
